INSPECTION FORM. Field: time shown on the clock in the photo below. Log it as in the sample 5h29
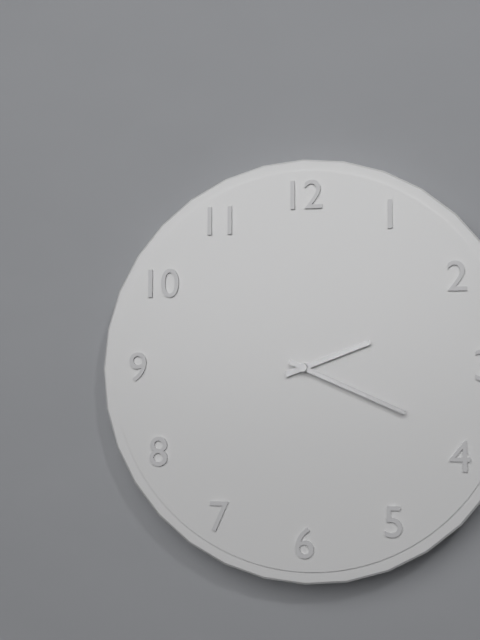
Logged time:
2h19
